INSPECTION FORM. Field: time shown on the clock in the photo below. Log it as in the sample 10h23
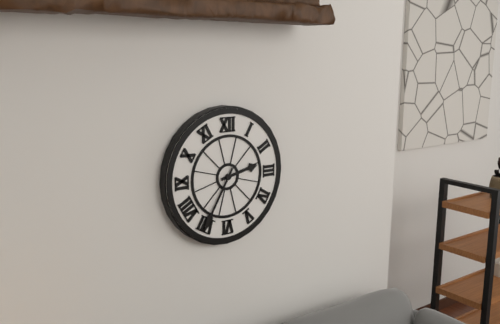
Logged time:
2h35
